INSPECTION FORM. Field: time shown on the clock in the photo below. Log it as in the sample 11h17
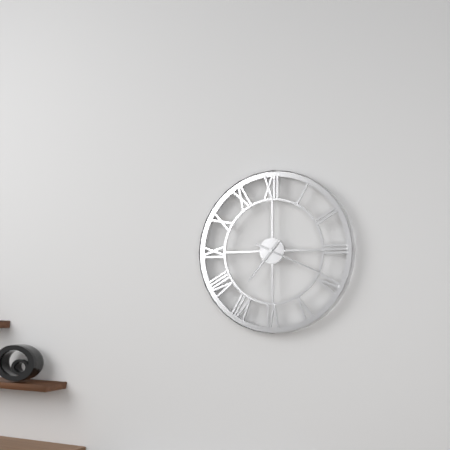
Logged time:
7h19
